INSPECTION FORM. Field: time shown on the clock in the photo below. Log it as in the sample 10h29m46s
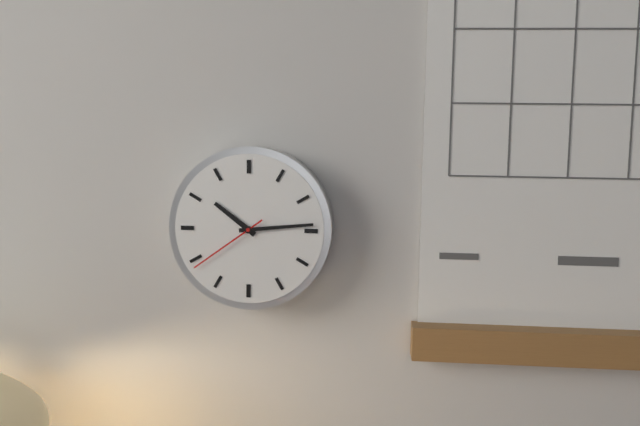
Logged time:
10h14m39s
